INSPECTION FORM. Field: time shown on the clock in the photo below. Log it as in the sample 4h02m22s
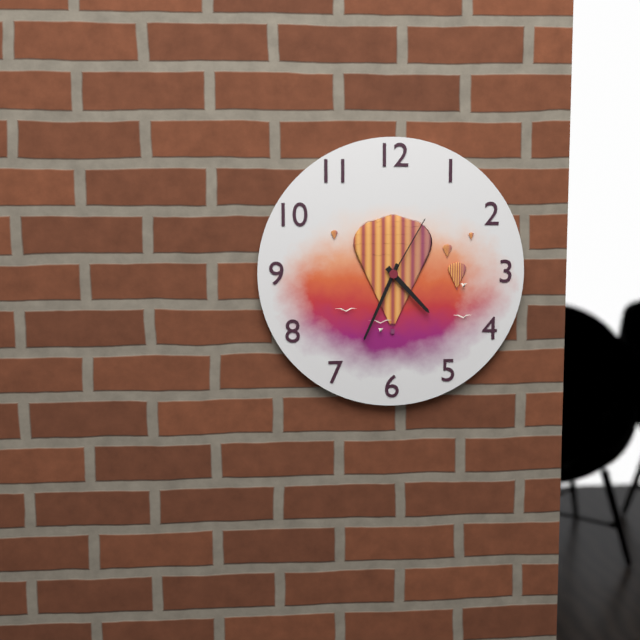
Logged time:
4h34m05s
